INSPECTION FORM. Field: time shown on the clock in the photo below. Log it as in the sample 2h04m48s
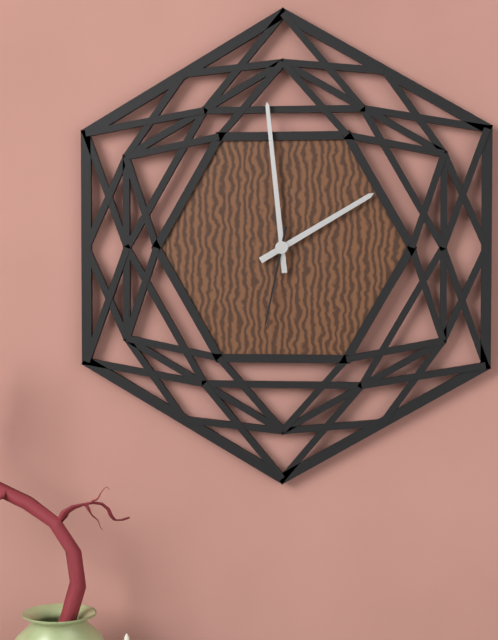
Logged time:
1h59m32s
